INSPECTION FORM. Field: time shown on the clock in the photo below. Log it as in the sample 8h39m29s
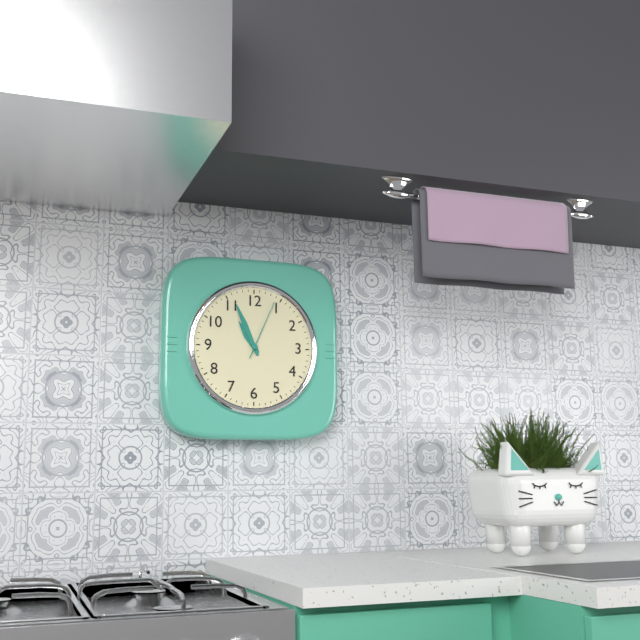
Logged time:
10h56m04s
